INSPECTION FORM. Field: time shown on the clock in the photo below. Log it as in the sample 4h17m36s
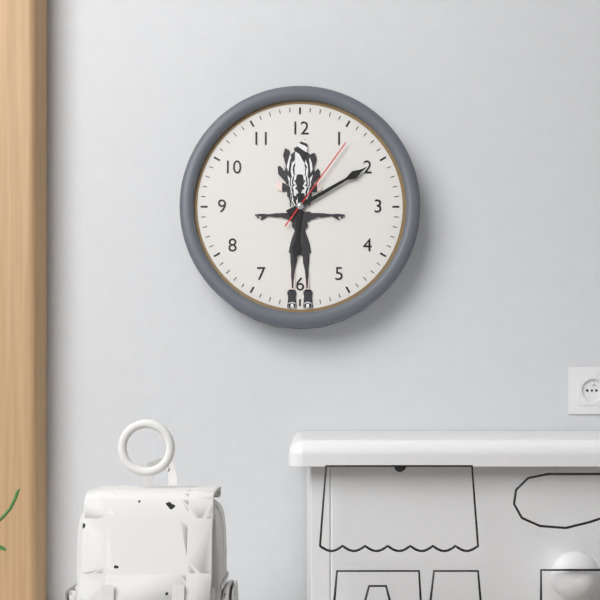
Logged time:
6h10m06s
